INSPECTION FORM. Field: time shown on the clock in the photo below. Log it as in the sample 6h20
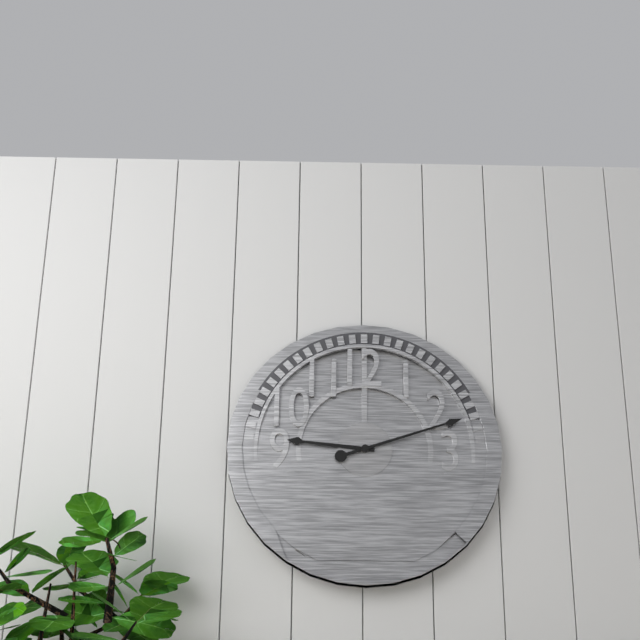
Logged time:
9h12
